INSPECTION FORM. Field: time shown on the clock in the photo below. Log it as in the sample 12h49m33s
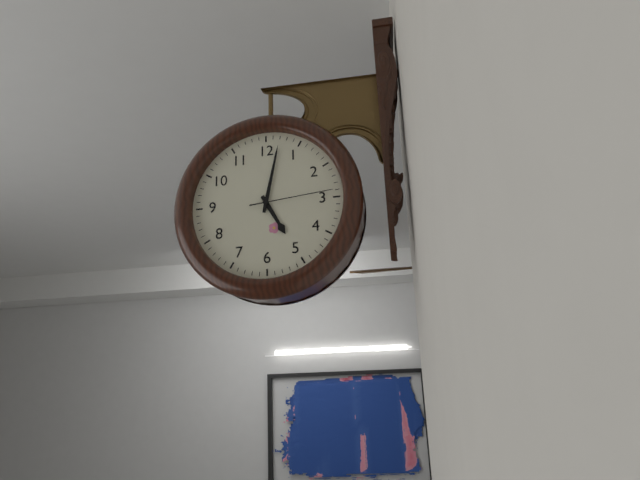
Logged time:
5h02m14s
